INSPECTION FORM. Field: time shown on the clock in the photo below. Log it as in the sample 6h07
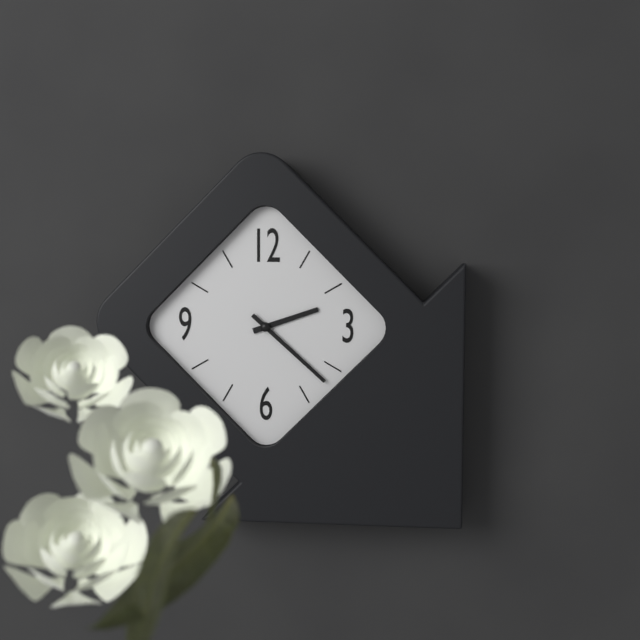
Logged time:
2h22
